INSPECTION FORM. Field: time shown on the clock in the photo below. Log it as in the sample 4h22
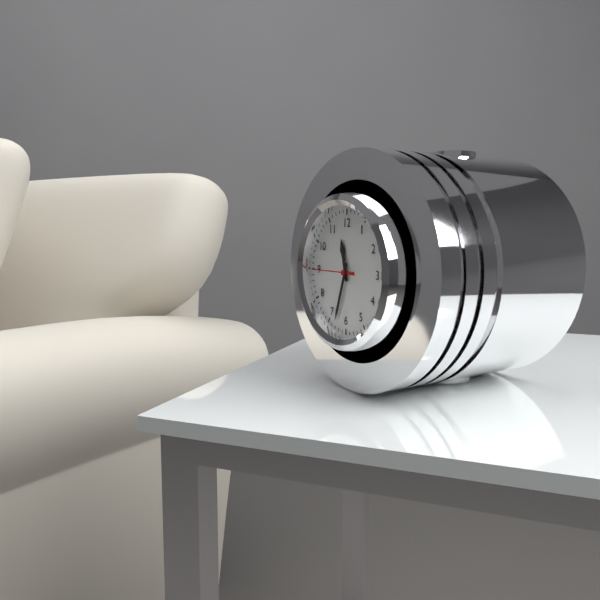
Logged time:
11h33
